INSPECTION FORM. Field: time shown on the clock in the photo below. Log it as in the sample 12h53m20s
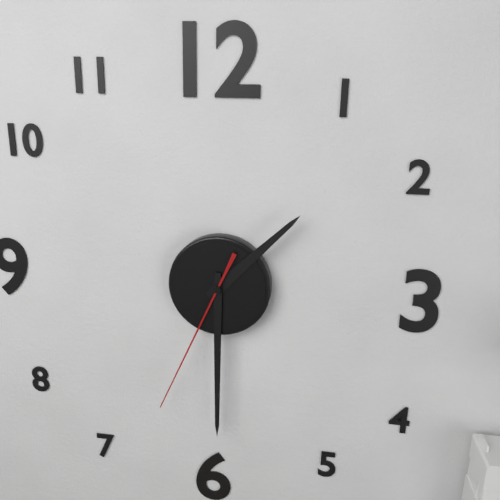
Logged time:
1h30m34s
